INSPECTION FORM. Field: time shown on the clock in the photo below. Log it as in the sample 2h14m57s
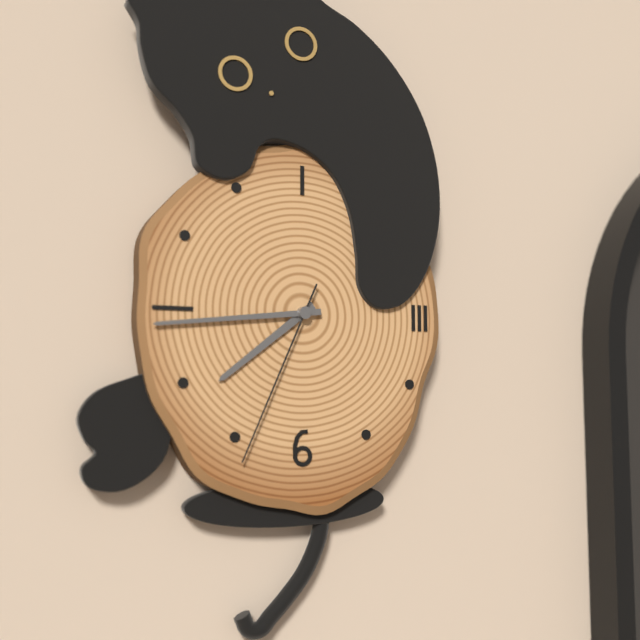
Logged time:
7h44m34s
